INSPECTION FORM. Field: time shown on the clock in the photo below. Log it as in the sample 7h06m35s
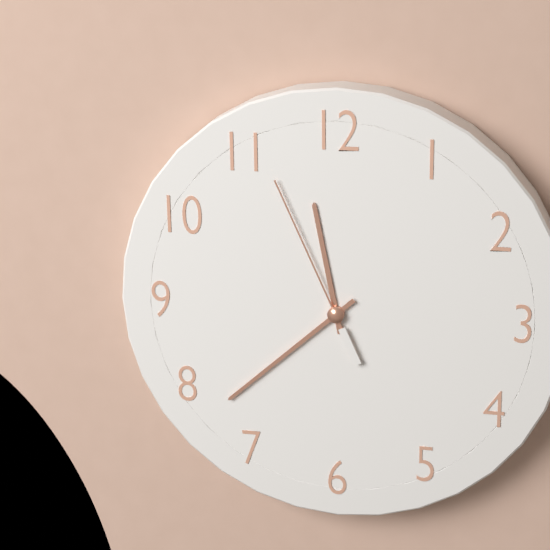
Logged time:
11h38m56s
